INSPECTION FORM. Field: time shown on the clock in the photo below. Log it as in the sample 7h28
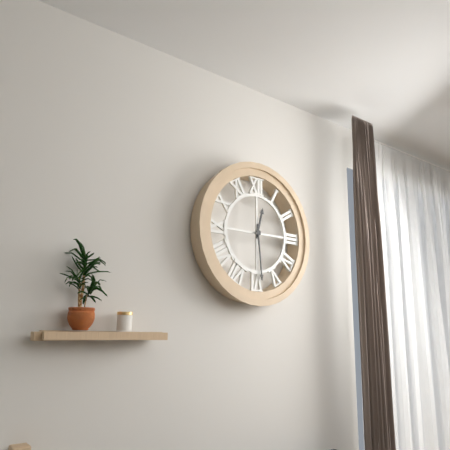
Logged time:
12h29
